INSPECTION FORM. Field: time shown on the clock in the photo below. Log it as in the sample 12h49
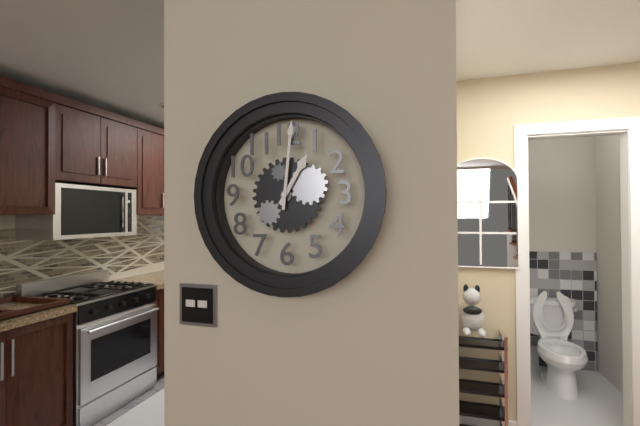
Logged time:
1h01
